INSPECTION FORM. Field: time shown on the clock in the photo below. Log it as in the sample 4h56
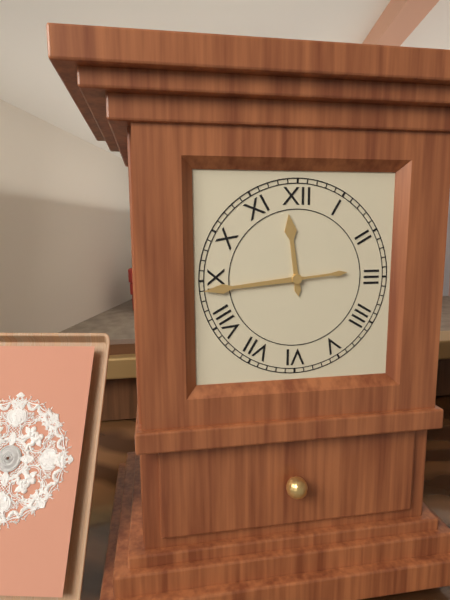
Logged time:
11h44
